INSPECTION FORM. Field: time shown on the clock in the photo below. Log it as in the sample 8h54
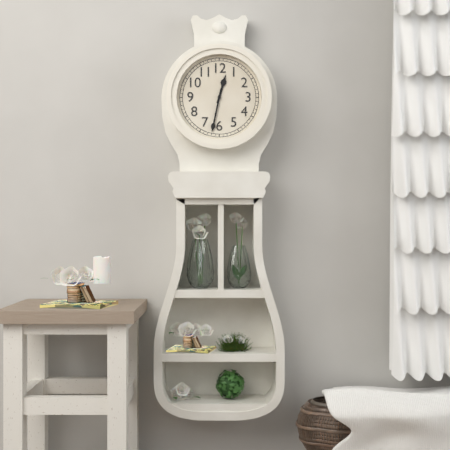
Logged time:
12h32
